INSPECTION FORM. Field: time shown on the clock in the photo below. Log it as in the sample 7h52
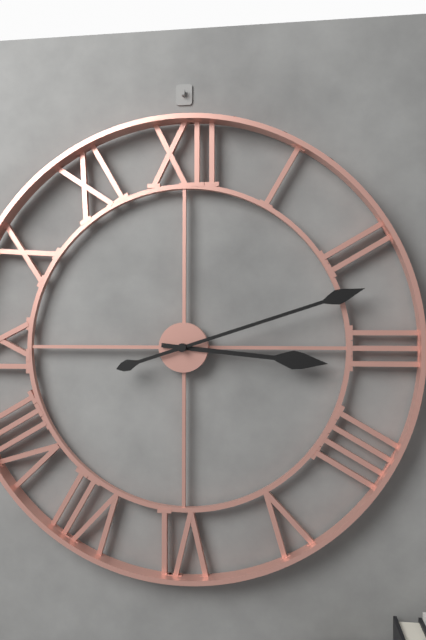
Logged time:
3h12
